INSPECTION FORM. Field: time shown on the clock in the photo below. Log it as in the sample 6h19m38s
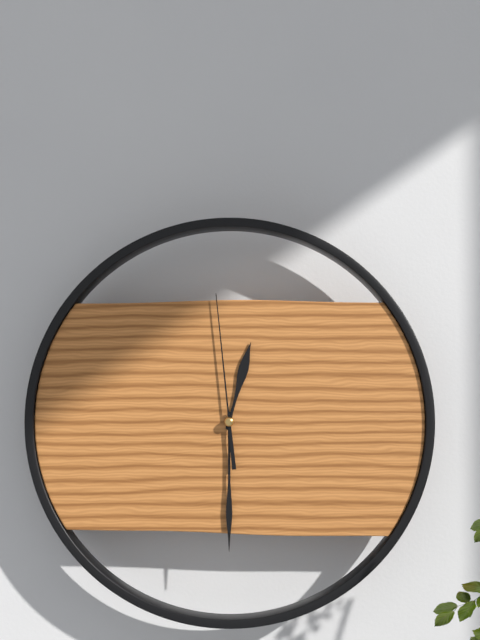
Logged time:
12h30m59s
